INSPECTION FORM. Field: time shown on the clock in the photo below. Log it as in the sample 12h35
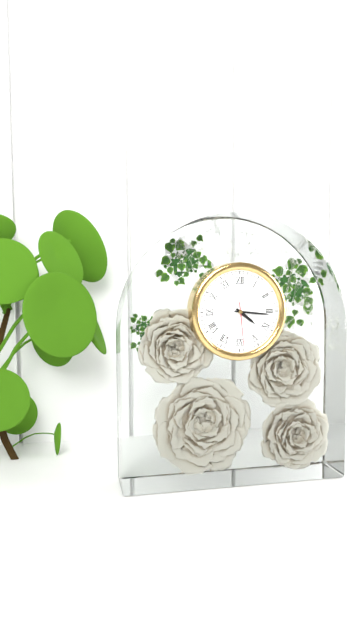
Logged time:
4h16
